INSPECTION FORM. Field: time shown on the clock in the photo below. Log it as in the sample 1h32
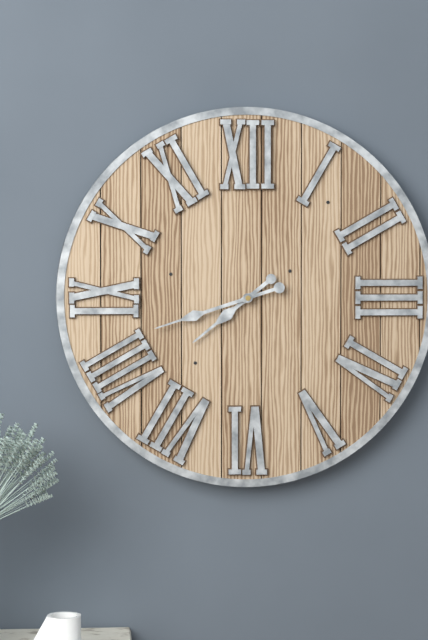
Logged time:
7h42
